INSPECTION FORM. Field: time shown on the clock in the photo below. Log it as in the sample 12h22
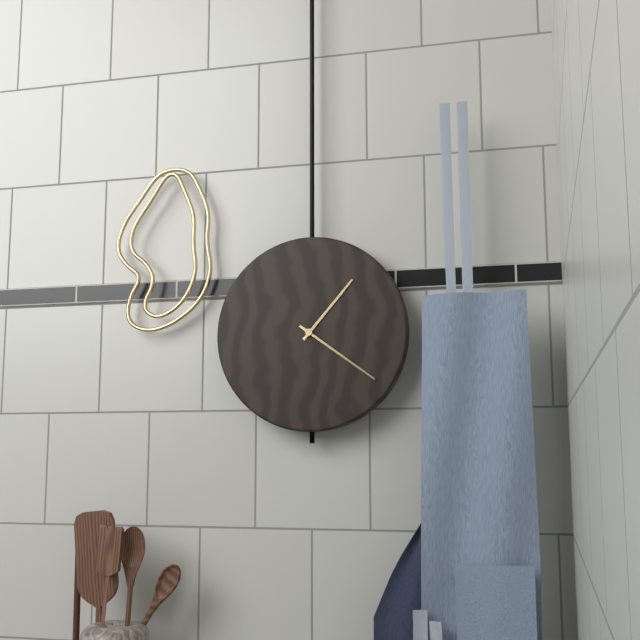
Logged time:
1h21
